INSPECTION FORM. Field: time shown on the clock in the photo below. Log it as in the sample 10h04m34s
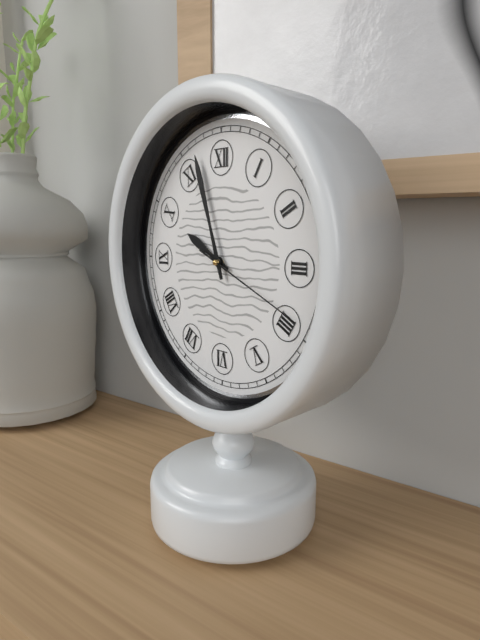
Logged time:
9h57m19s
